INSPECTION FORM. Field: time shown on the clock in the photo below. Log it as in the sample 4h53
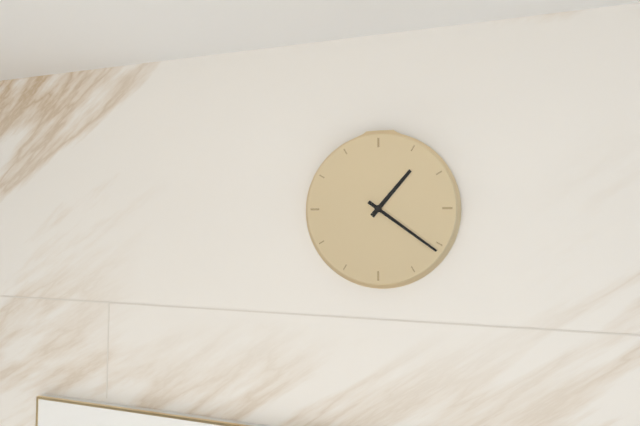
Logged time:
1h21
